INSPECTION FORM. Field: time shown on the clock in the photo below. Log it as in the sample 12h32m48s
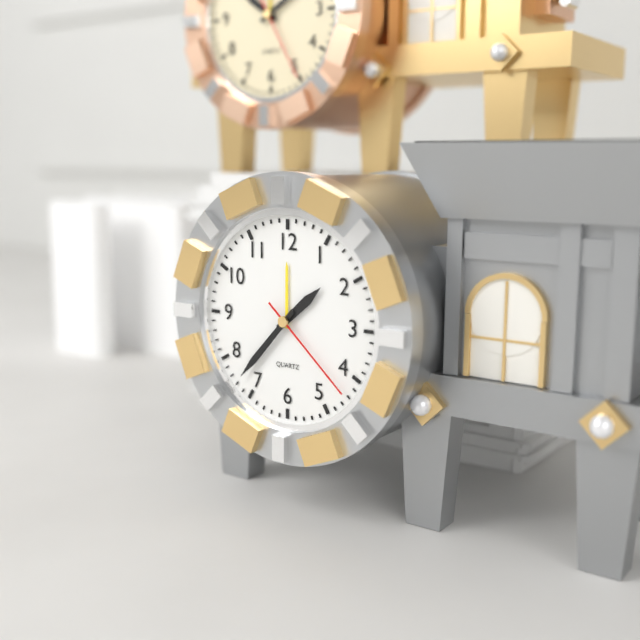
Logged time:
1h37m22s
